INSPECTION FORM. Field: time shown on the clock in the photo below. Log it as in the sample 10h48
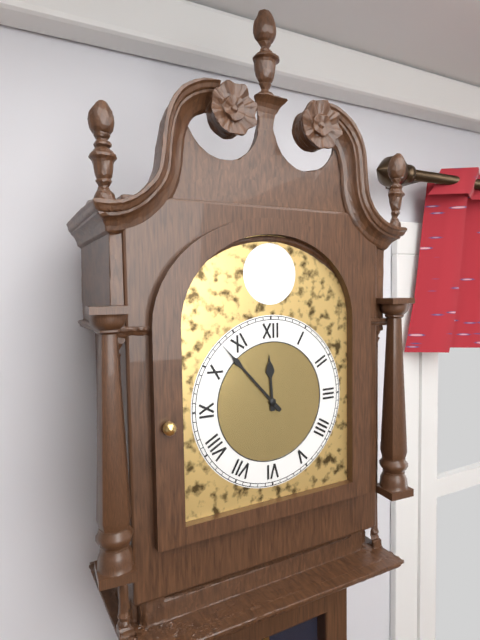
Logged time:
11h53
